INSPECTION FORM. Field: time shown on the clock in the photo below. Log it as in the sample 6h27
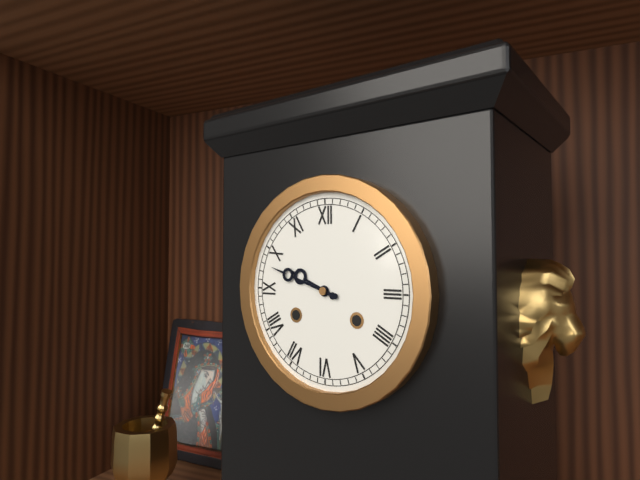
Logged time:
9h48
